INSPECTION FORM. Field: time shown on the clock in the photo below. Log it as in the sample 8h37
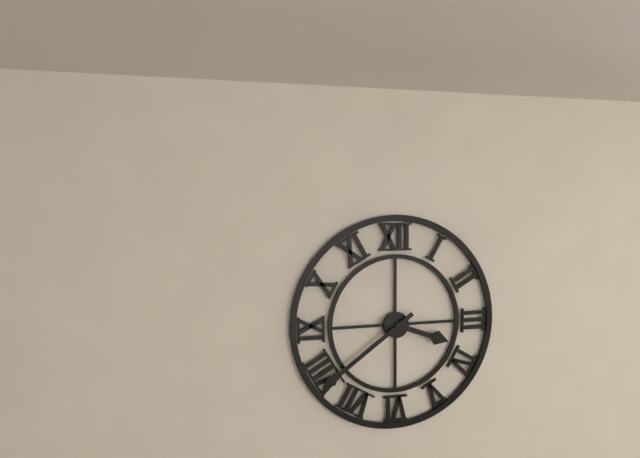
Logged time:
3h39
